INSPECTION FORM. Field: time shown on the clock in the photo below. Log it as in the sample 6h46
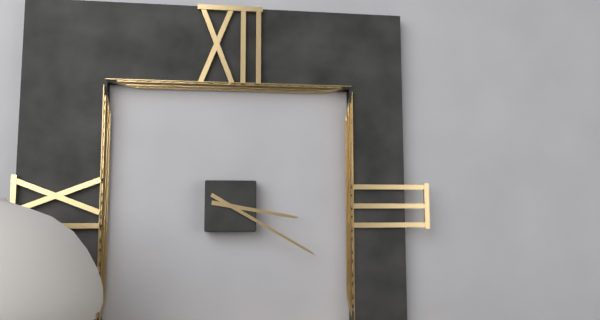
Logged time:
3h20
